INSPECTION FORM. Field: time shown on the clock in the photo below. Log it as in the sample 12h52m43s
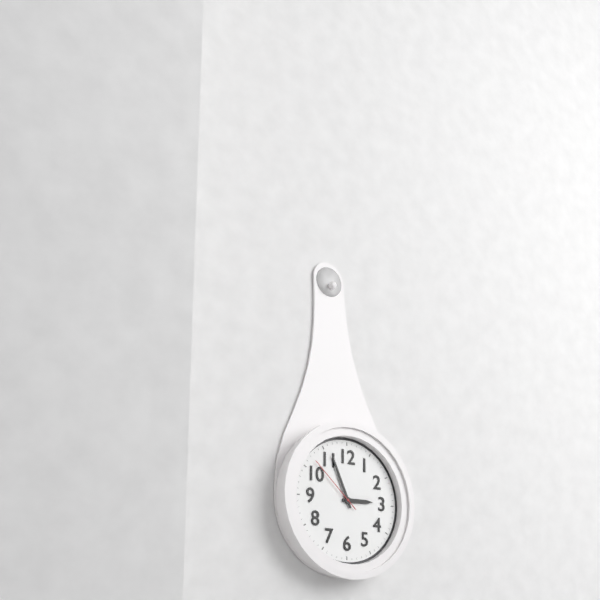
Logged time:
2h56m52s
